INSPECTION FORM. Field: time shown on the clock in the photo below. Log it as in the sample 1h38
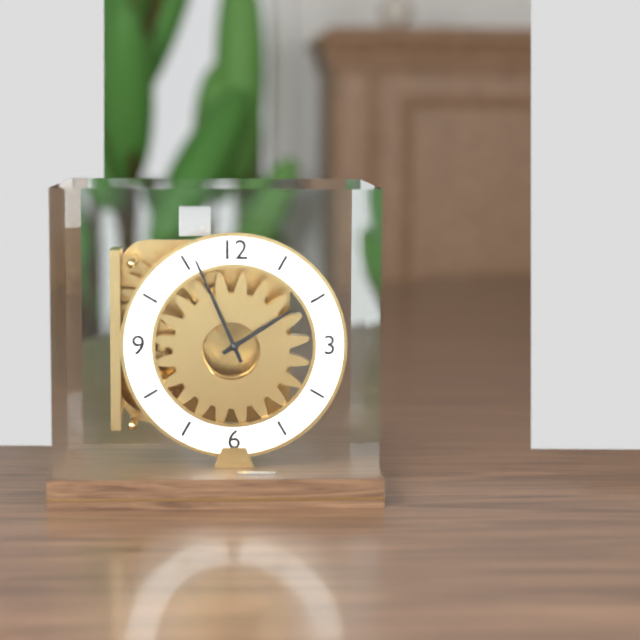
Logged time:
1h56
